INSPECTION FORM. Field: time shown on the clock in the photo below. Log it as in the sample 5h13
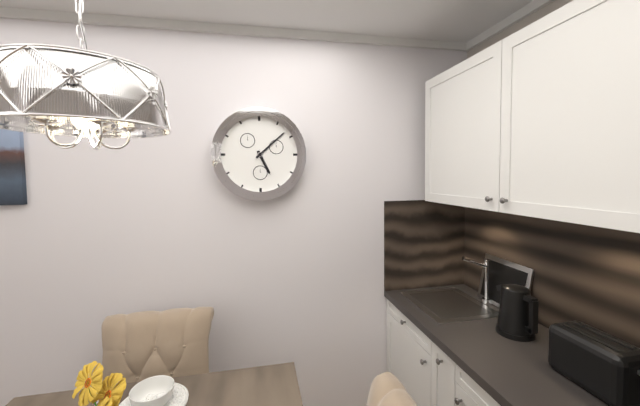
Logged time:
5h08
